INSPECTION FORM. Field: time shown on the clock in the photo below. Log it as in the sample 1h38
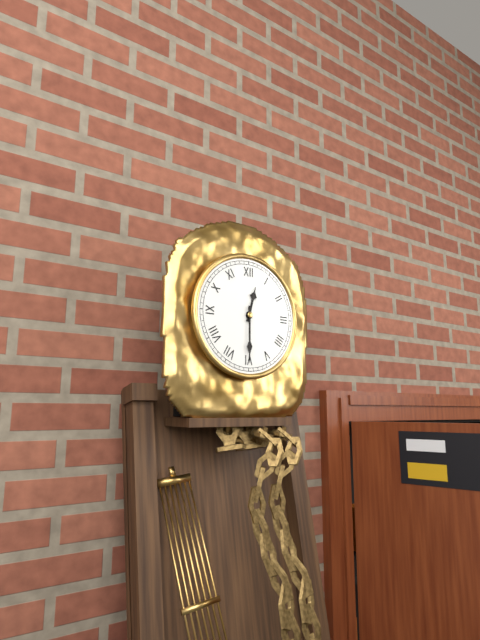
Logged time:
12h30
